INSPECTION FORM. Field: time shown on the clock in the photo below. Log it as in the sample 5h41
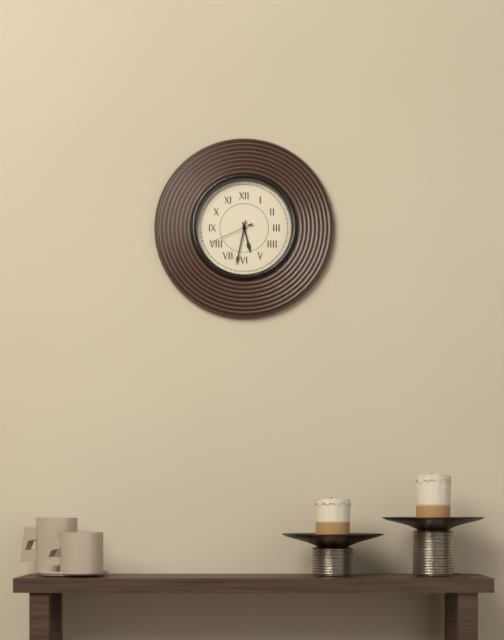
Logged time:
5h32
